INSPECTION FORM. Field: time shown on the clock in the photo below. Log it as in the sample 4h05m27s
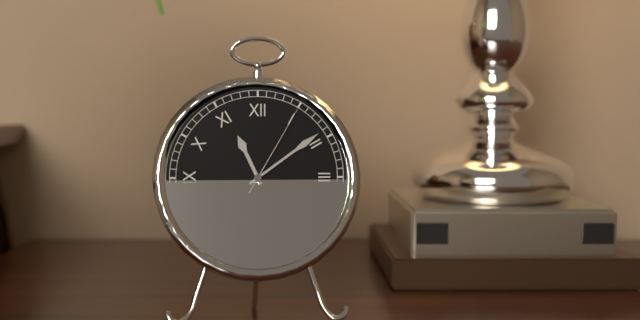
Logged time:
11h09m05s
